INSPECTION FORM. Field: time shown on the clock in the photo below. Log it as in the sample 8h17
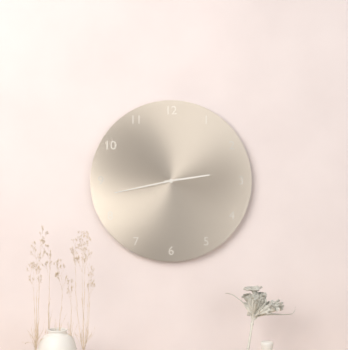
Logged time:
2h43
